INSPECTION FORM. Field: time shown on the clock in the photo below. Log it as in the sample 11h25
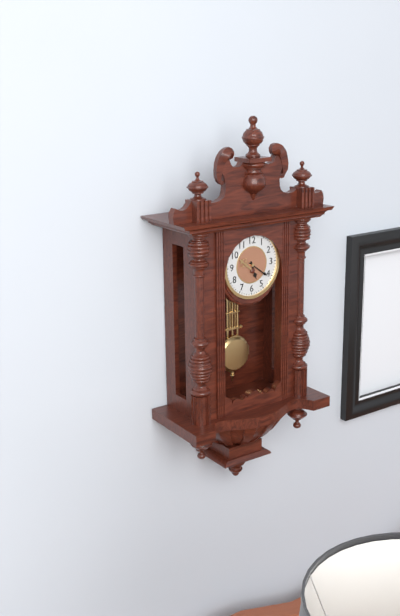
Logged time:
5h21
